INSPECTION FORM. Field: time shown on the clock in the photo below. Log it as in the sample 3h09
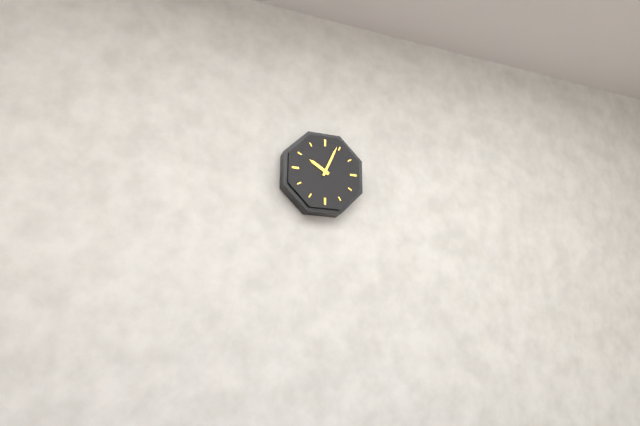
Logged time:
10h04
